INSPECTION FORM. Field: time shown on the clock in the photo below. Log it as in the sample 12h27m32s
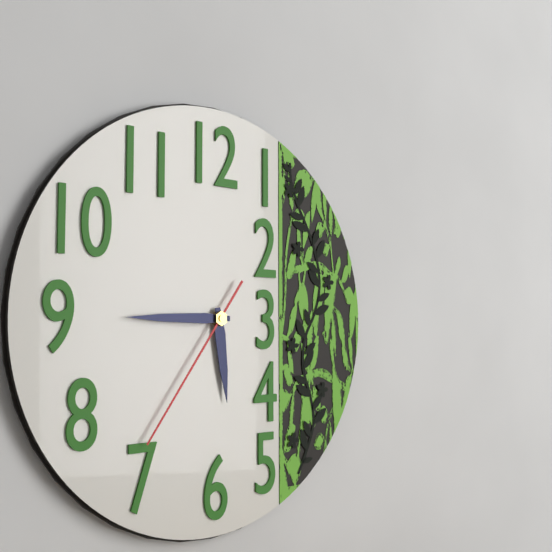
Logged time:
5h45m36s
